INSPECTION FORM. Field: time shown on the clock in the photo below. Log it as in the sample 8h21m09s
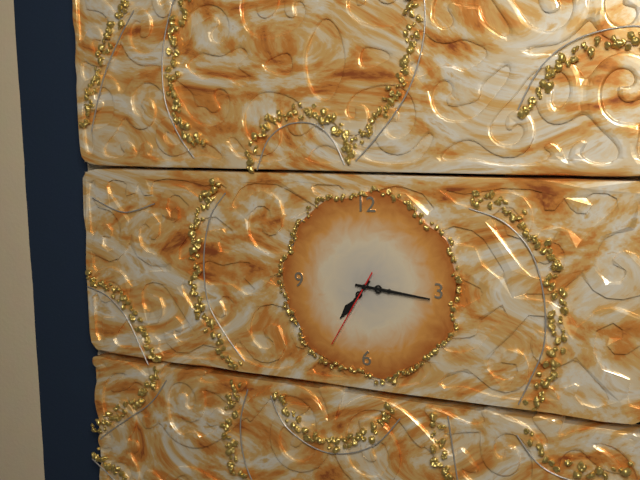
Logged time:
7h16m35s
